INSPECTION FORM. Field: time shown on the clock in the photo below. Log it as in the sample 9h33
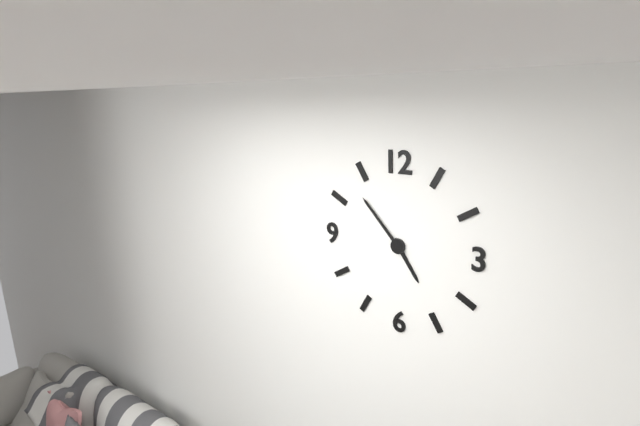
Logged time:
4h53
